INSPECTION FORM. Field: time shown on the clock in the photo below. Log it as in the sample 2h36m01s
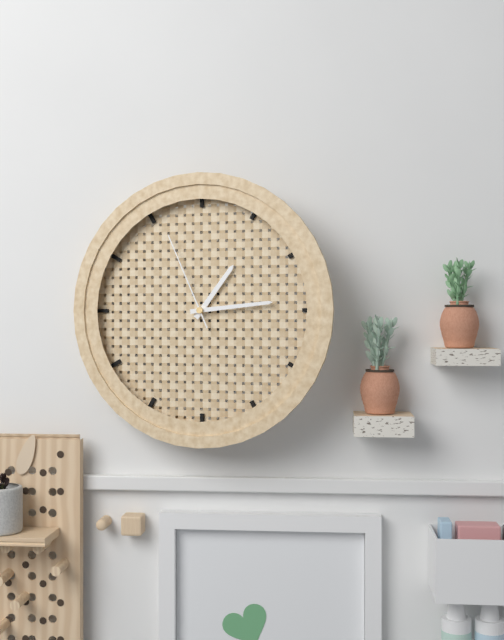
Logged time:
1h14m56s
